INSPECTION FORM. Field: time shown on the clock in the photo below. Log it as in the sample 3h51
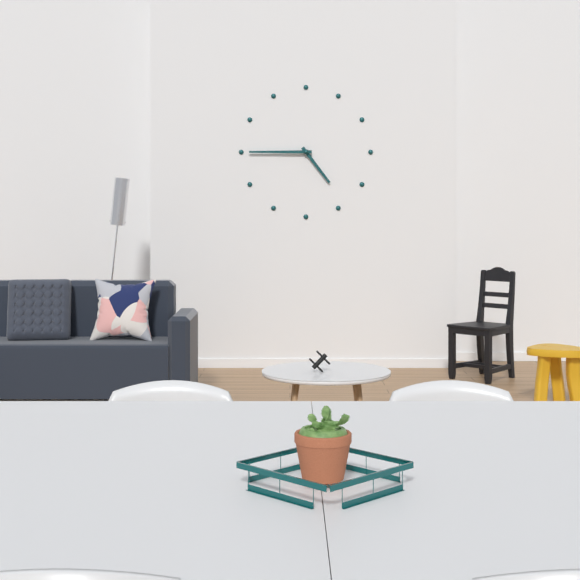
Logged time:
4h45
